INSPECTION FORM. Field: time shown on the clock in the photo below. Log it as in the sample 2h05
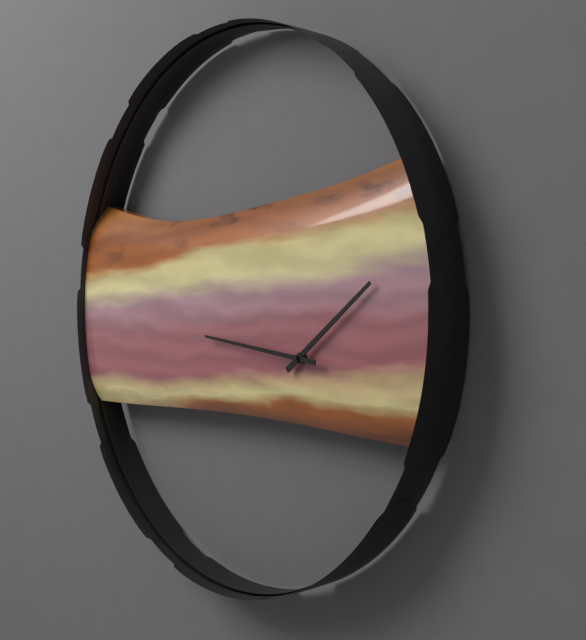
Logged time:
1h46
